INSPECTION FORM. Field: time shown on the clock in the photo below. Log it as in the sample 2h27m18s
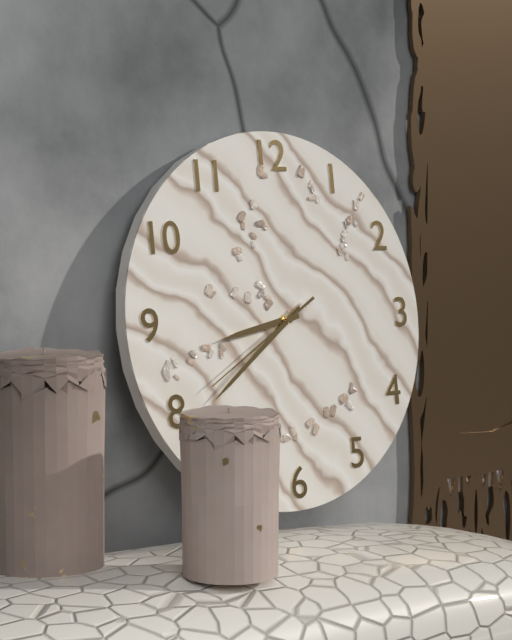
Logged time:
8h39m40s
